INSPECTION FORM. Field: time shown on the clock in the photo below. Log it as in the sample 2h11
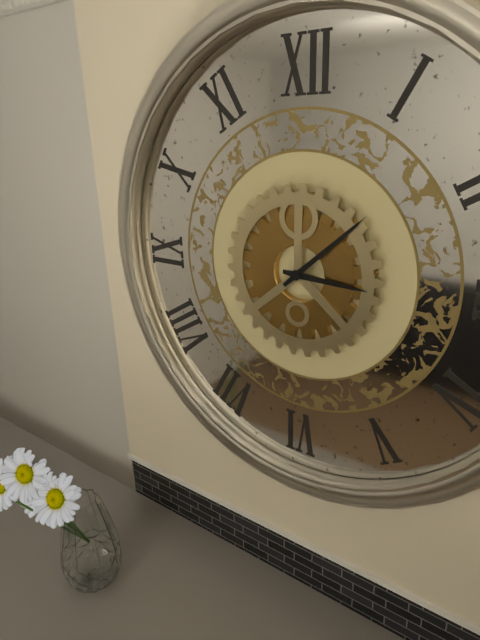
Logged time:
3h08
